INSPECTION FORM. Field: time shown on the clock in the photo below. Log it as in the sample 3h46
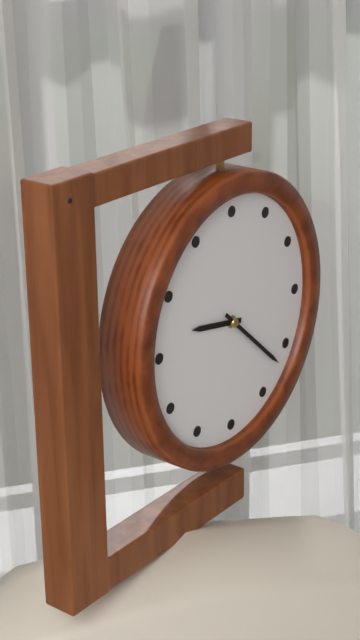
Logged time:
9h22
